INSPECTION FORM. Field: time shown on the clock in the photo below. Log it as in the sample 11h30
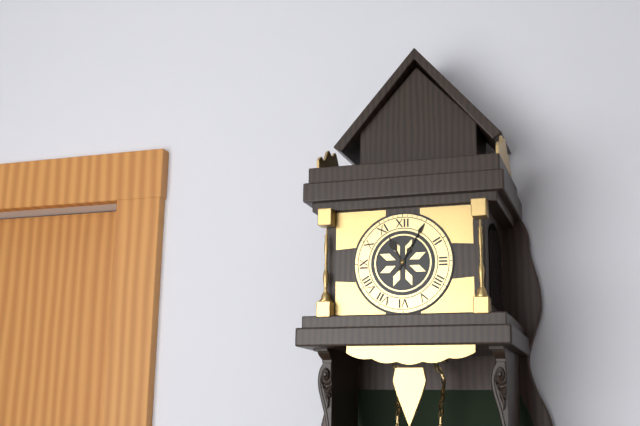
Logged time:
11h05
